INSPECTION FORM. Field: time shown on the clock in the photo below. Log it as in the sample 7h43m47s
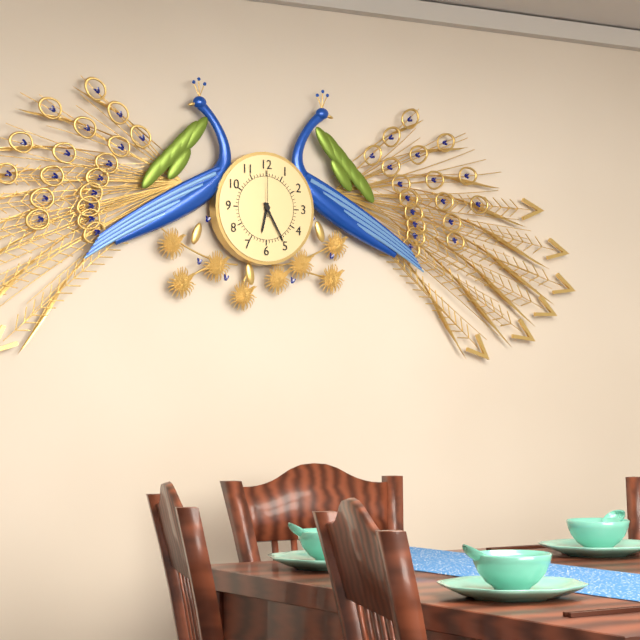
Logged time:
6h25m00s
